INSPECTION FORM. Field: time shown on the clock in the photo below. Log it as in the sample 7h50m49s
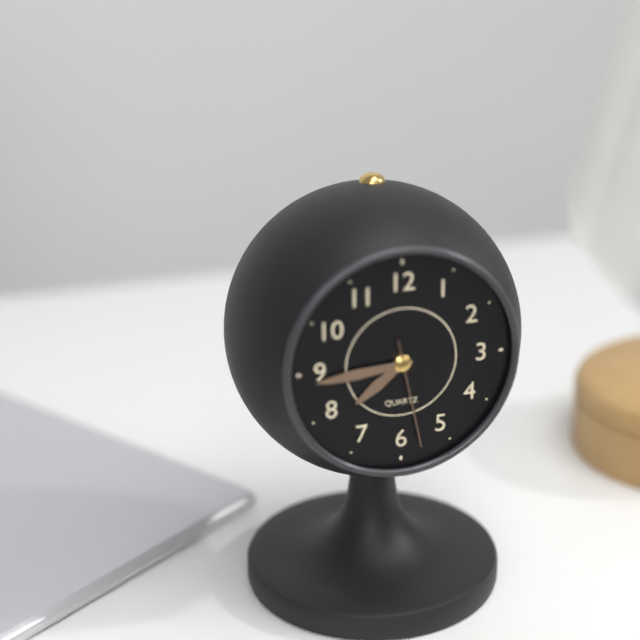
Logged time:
7h44m28s
